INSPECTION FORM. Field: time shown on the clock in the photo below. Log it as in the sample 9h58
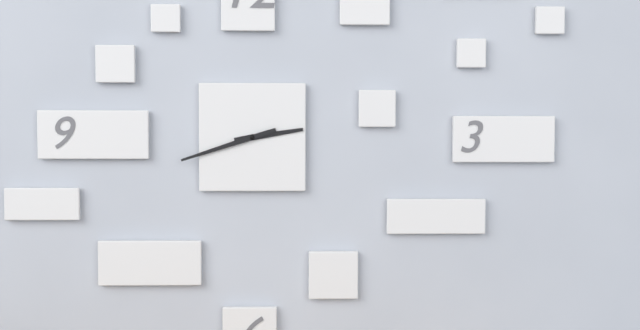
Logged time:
2h42
